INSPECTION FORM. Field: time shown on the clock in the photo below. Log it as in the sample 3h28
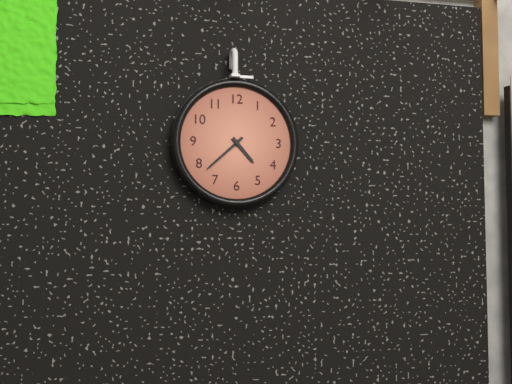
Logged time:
4h38
